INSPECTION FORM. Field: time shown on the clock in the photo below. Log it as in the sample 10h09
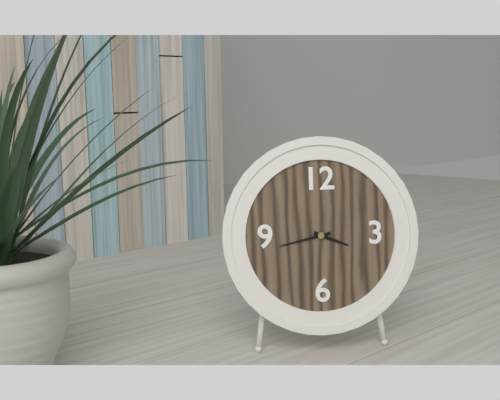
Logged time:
3h43
